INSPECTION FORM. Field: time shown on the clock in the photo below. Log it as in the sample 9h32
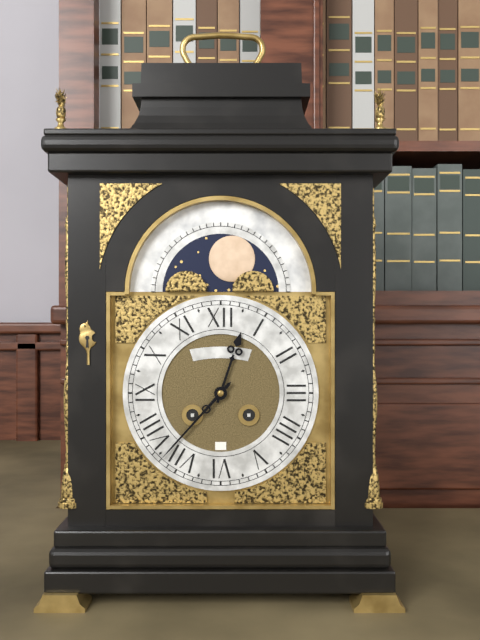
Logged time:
12h37
